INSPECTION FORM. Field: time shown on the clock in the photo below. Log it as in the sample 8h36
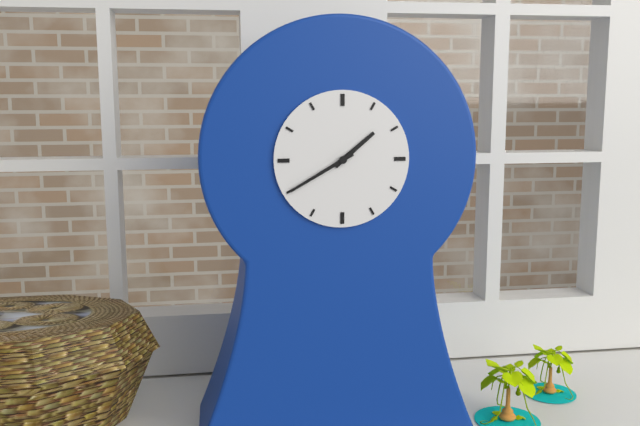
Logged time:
1h40
